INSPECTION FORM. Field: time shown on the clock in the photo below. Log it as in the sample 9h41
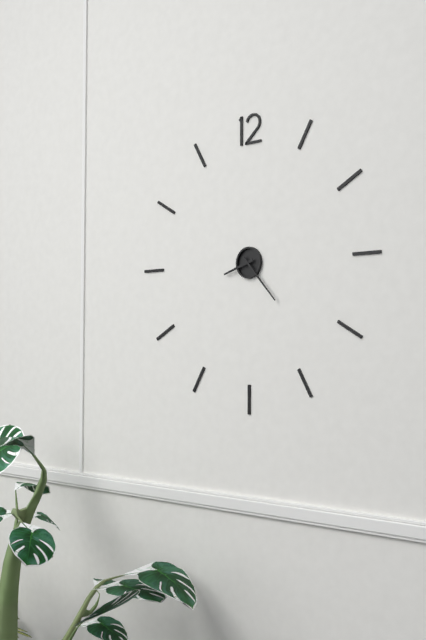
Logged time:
8h23
